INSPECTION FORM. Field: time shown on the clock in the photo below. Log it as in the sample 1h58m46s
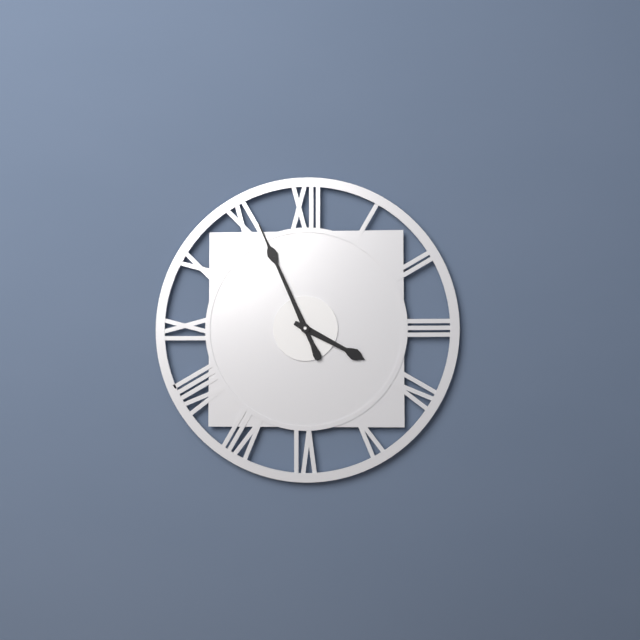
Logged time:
3h56m56s
